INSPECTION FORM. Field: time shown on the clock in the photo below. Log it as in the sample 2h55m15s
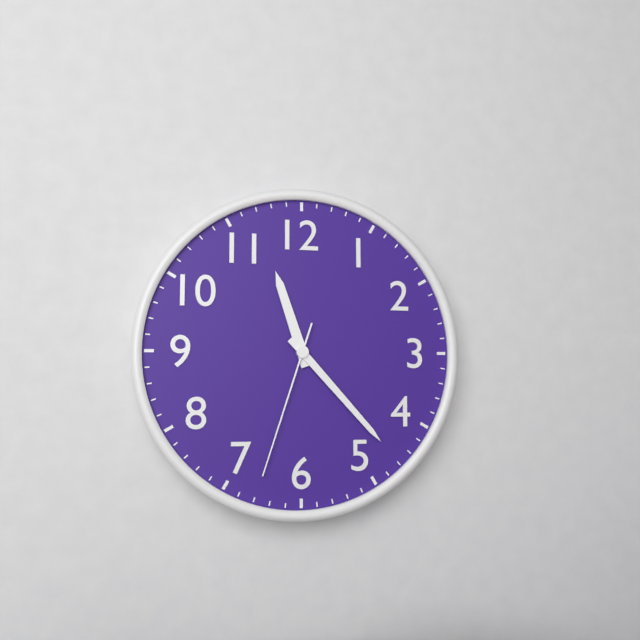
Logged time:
11h23m33s
